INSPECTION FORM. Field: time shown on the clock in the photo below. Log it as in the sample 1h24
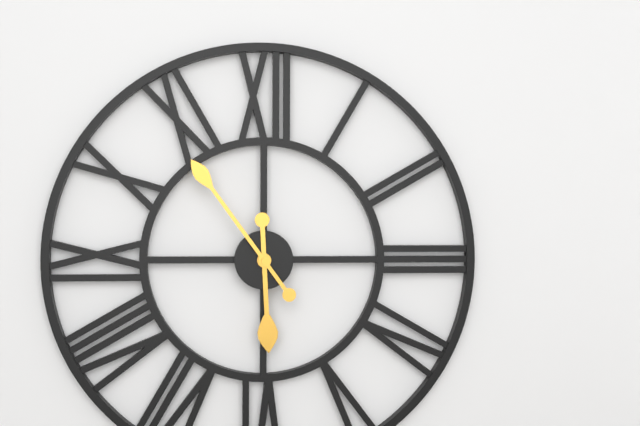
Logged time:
5h54
